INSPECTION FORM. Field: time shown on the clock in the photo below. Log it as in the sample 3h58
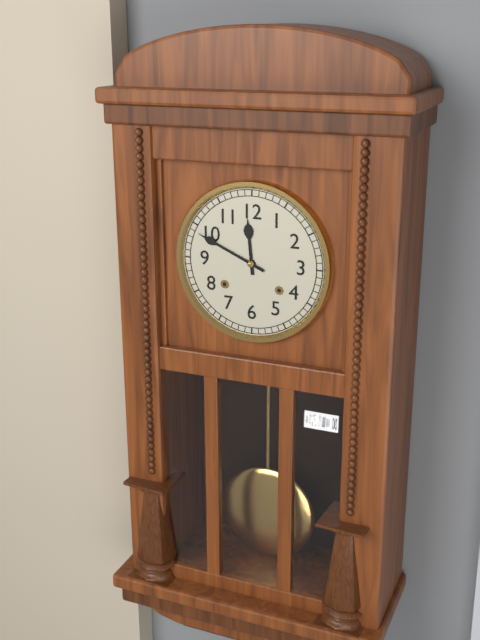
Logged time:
11h49
